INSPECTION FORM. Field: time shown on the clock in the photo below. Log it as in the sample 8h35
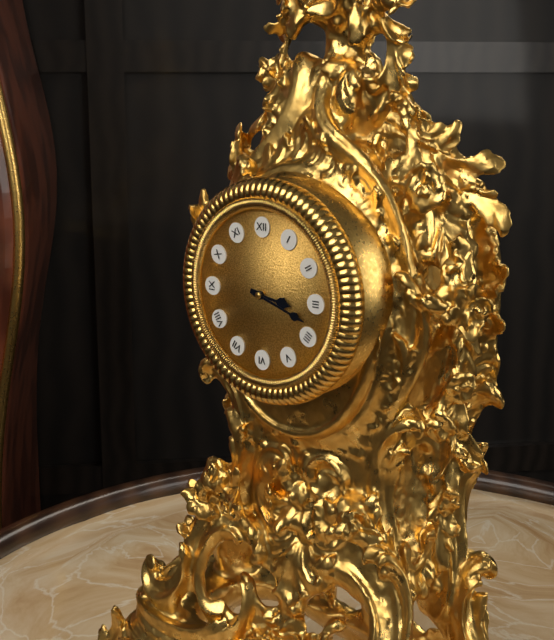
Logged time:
3h18
